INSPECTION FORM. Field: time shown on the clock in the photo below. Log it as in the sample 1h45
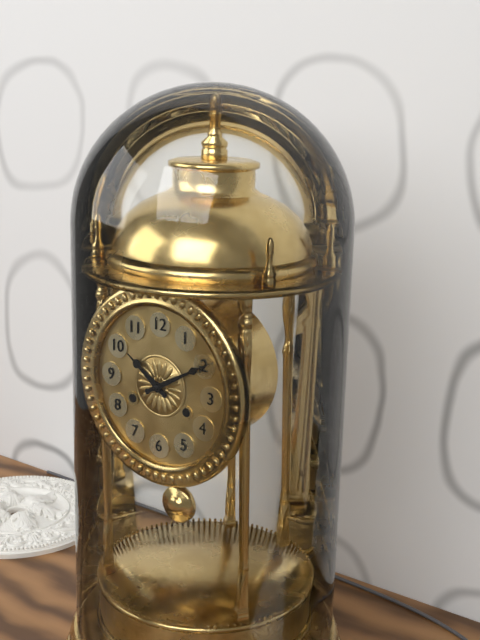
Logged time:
10h10
